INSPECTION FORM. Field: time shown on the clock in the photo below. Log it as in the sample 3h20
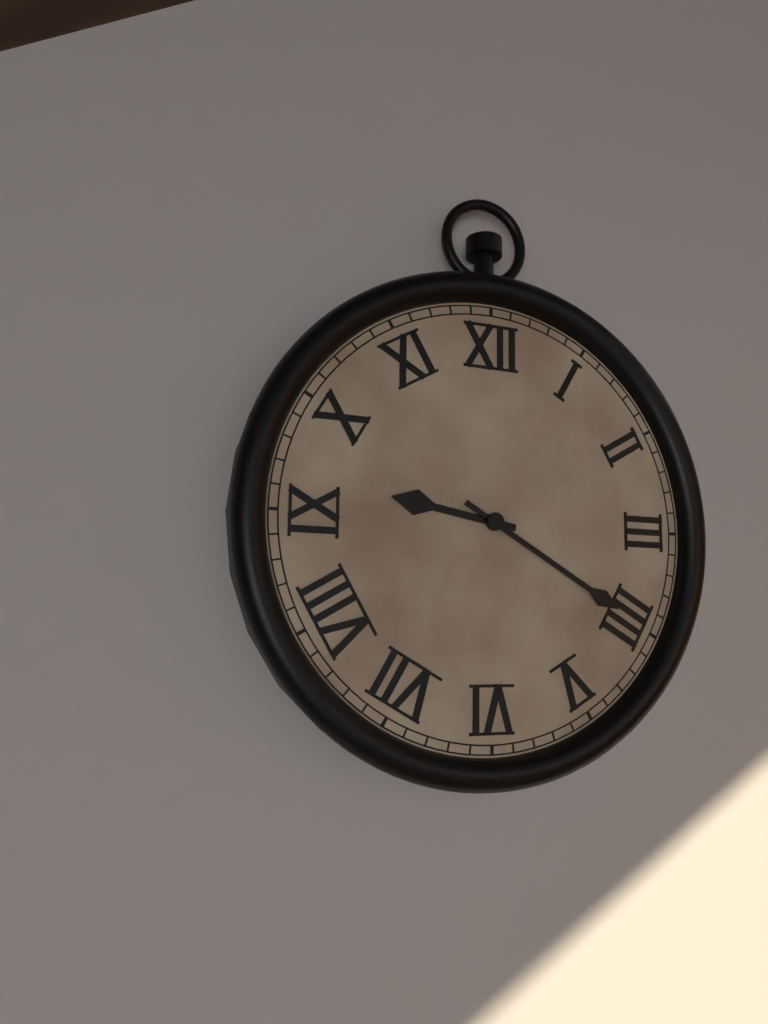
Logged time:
9h20
